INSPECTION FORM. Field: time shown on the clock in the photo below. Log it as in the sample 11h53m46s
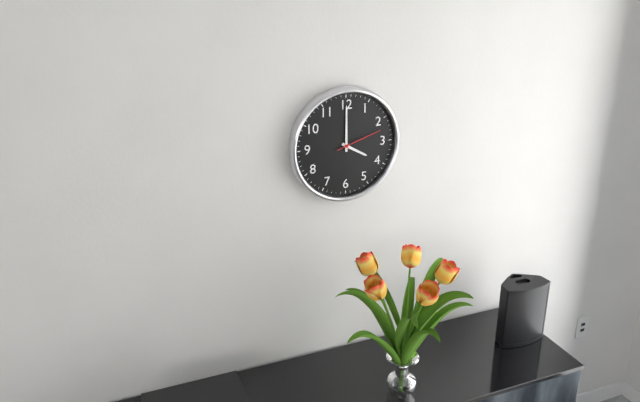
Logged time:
4h00m12s
